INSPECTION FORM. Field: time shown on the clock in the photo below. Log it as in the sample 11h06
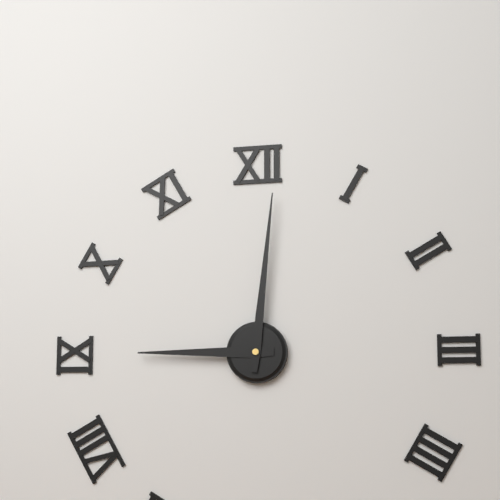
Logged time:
9h01
